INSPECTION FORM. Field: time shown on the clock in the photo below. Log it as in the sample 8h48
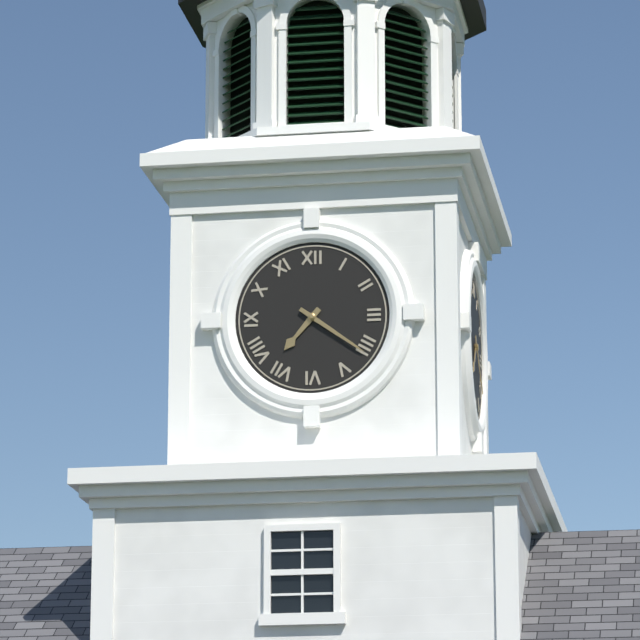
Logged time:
7h21
